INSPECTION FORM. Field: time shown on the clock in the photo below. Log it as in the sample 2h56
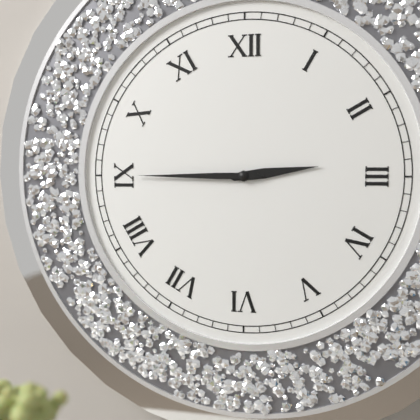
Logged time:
2h45
